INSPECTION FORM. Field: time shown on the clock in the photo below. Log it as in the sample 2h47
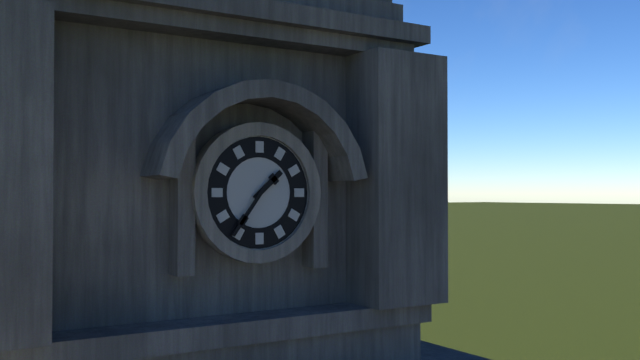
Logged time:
1h36
